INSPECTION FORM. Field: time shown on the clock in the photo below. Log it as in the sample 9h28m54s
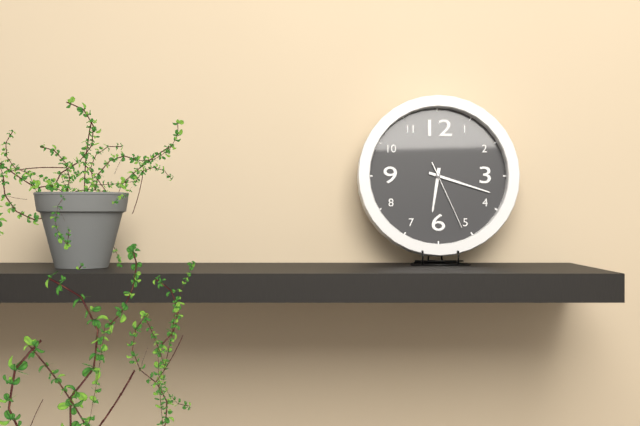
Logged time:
6h18m26s
